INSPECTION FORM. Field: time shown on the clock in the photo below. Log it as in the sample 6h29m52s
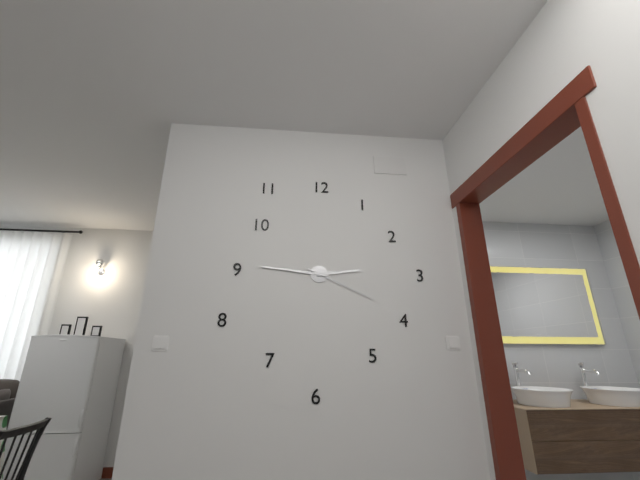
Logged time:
2h46m19s
